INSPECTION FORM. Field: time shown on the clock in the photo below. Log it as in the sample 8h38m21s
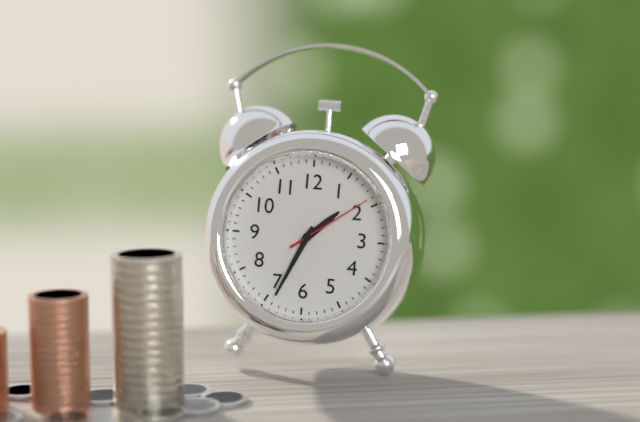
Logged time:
1h34m09s
